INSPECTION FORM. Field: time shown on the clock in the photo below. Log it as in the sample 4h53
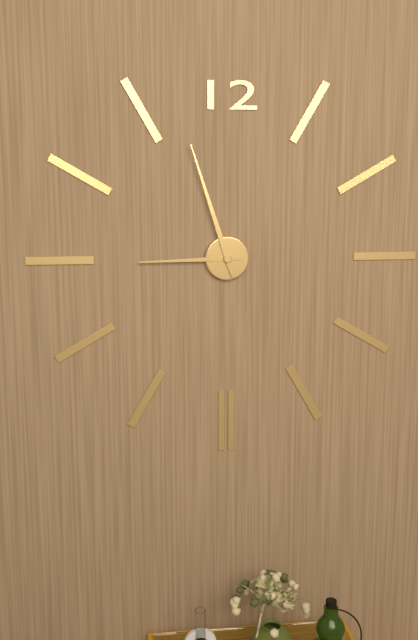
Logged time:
8h57
